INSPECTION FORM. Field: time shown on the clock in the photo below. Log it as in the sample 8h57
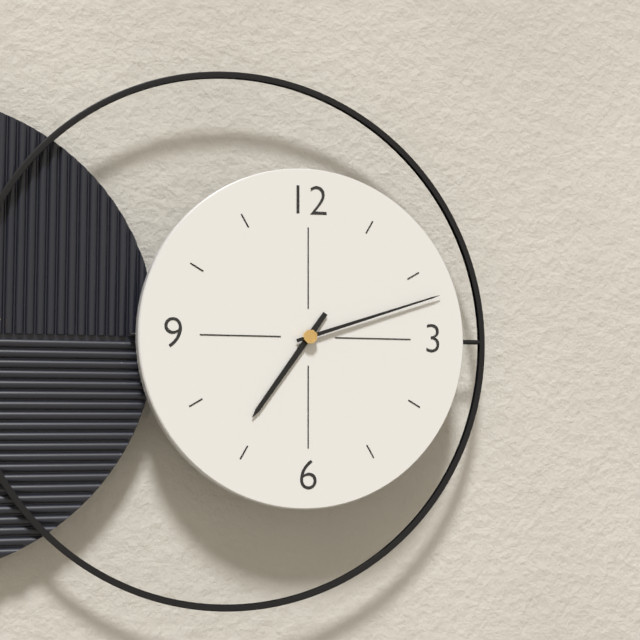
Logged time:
7h12
